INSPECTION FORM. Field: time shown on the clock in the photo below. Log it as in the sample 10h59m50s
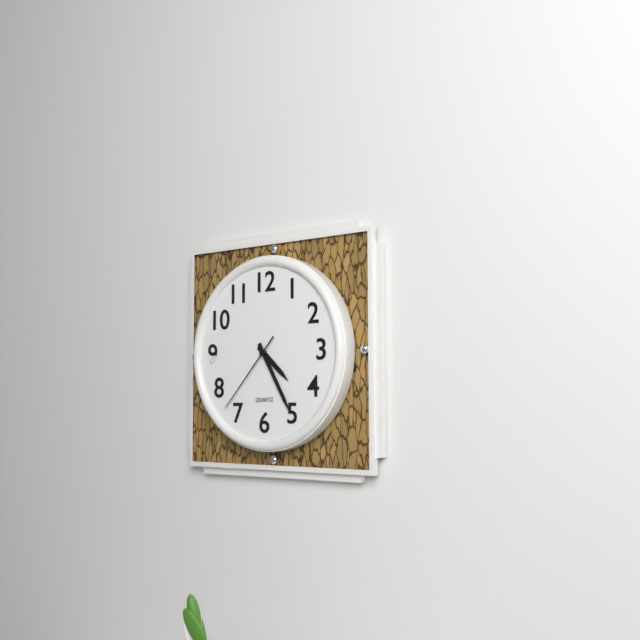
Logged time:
4h25m37s
